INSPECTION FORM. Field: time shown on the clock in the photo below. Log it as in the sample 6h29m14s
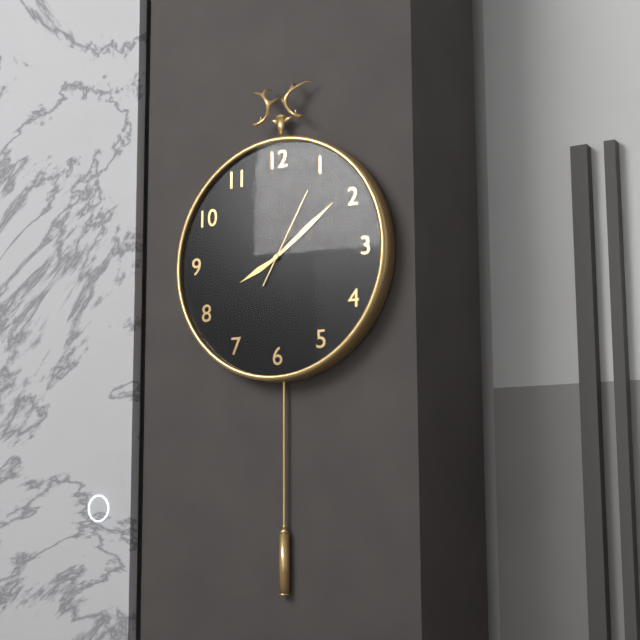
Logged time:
8h09m05s
